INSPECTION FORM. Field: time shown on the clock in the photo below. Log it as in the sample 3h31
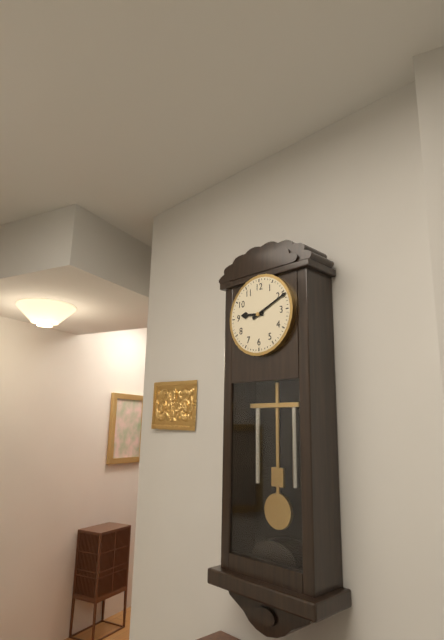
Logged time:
9h11
